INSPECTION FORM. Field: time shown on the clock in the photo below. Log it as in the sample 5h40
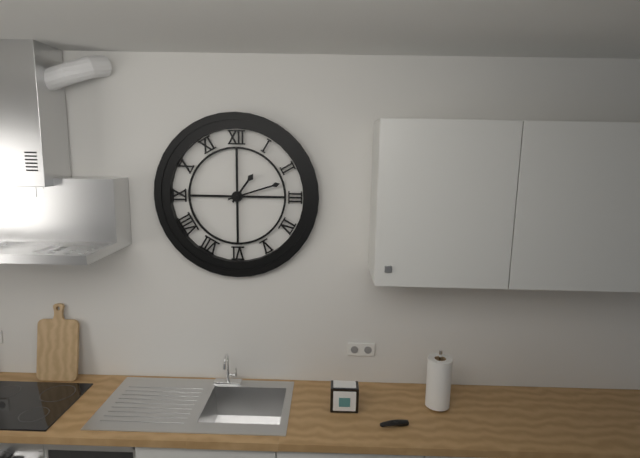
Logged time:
1h12
